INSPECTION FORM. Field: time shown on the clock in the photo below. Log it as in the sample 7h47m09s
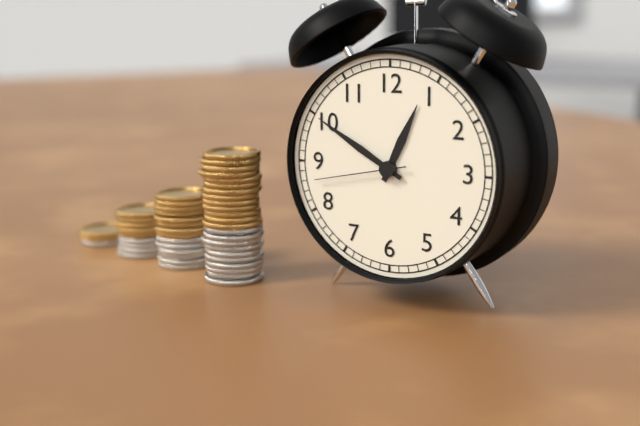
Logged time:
12h50m43s
